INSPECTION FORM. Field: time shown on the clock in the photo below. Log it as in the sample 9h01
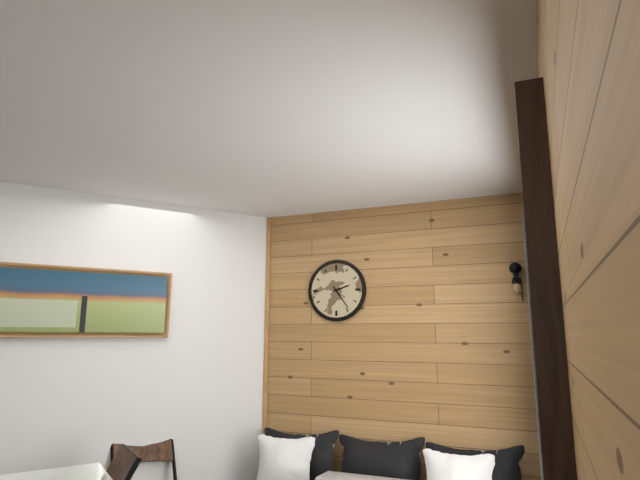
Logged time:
2h24
